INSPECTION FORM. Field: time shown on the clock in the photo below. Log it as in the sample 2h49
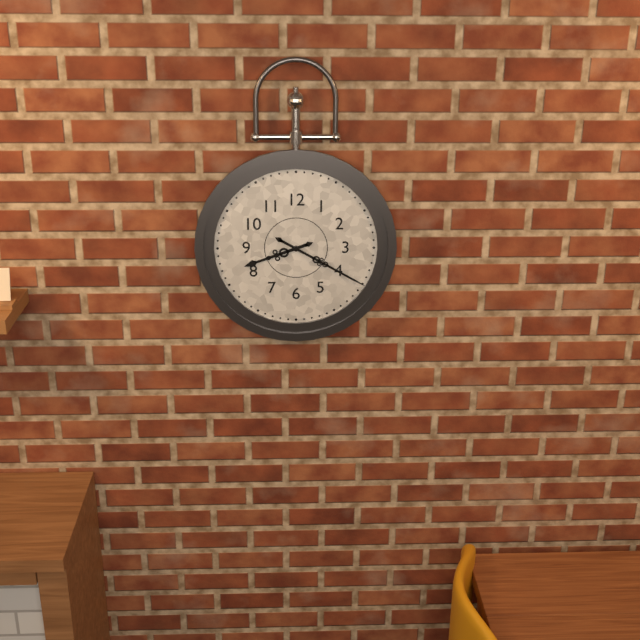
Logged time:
8h20
